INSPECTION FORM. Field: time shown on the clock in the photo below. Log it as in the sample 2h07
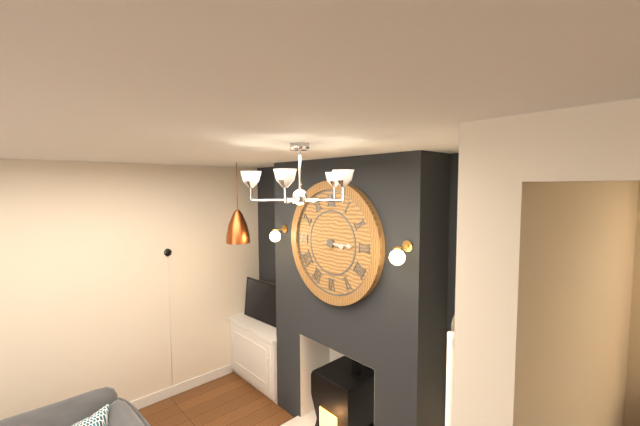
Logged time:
3h15
